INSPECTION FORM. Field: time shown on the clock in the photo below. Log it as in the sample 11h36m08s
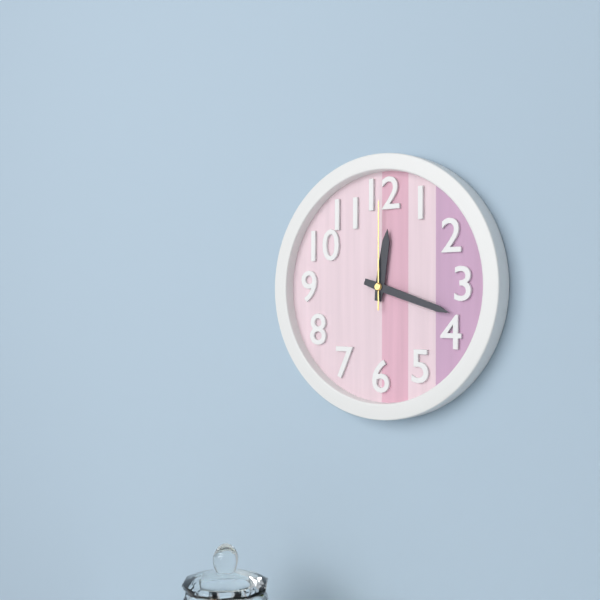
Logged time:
12h18m00s
